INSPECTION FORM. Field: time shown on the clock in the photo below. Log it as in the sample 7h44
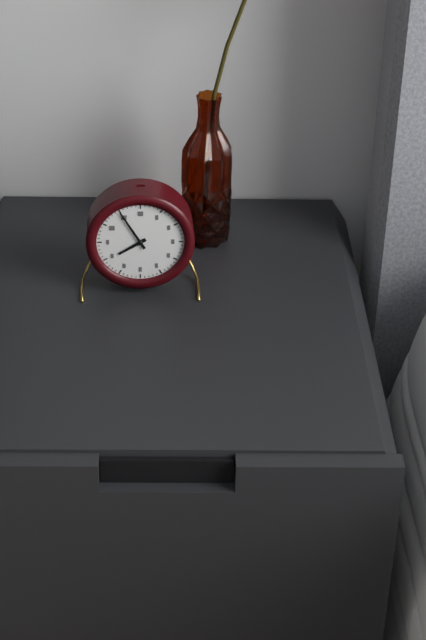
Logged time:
7h55
